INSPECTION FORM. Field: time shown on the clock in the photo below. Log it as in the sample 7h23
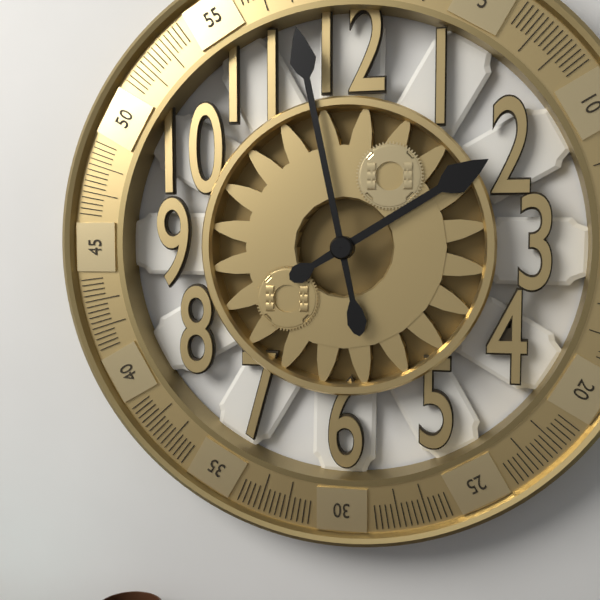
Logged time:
1h58
